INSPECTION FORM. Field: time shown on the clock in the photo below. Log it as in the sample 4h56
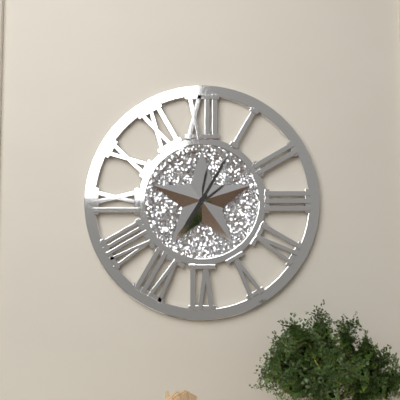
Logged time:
7h05
